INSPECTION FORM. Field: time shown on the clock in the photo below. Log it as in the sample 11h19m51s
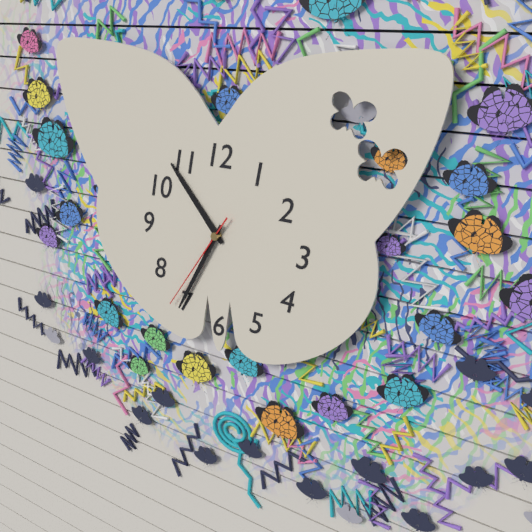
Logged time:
10h35m36s
